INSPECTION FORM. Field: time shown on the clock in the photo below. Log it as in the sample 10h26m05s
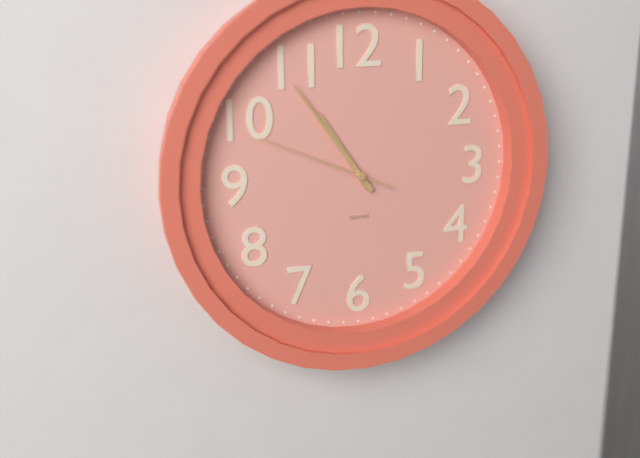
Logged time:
10h54m49s
